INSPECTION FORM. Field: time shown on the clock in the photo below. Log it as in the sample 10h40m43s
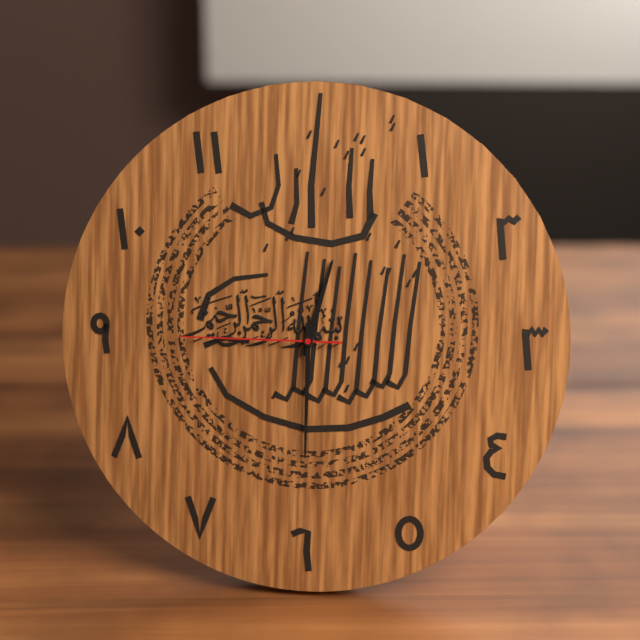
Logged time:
12h30m45s
